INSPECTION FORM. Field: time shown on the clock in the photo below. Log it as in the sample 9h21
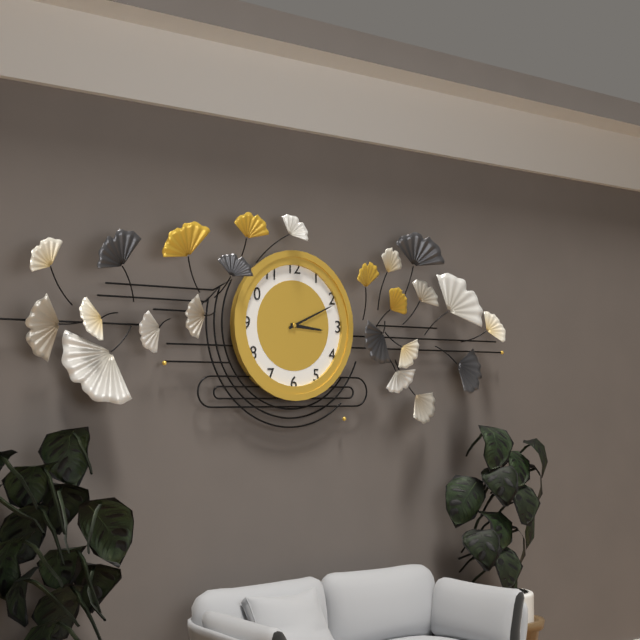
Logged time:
3h11
